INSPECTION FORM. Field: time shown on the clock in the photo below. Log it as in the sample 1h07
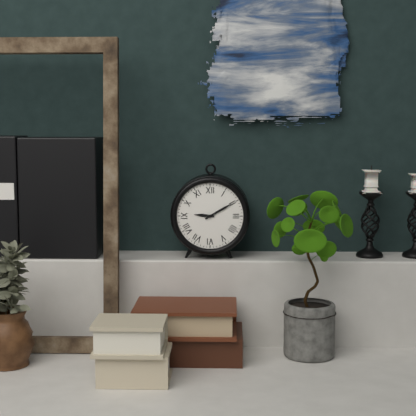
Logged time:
9h10
